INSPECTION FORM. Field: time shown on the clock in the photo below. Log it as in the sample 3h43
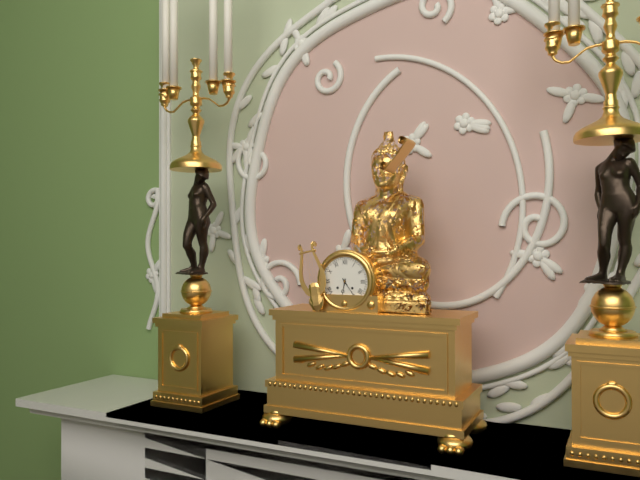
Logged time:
6h24
